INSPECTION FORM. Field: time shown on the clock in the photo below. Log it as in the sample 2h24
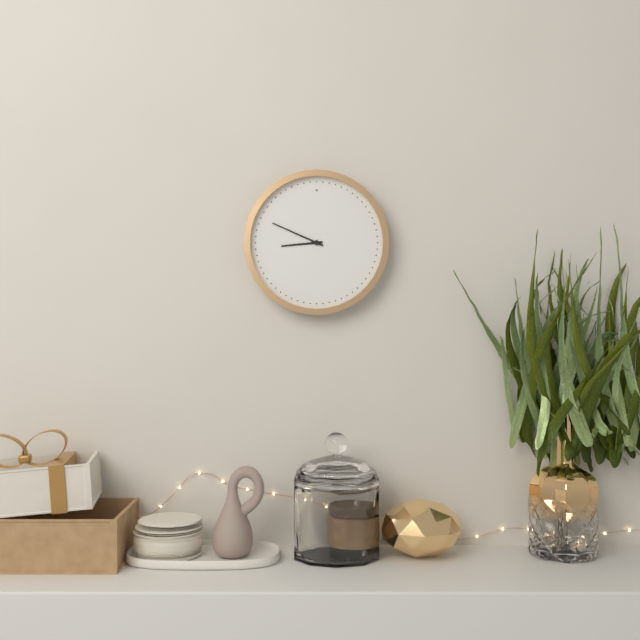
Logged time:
8h49
